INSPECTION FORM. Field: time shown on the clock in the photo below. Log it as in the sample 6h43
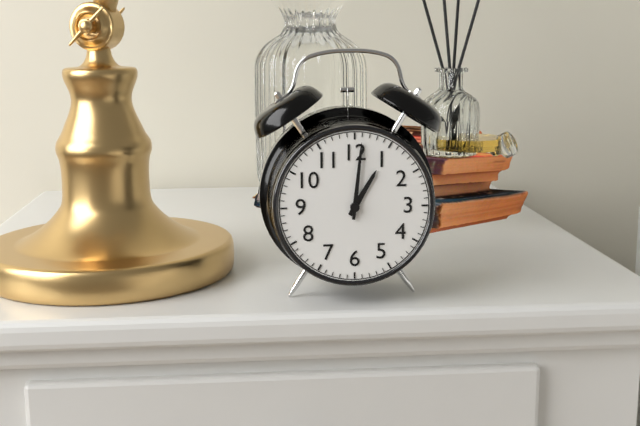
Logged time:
1h01
